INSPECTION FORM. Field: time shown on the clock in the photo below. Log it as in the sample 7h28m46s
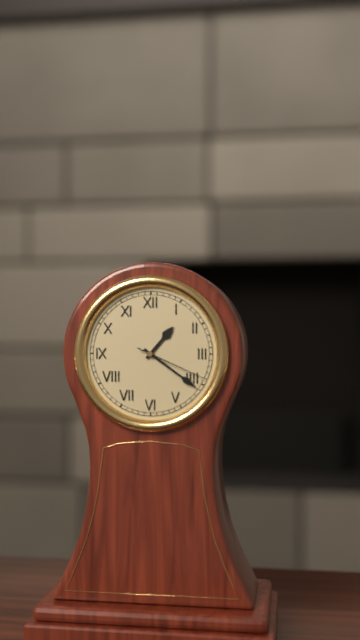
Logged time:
1h21m19s
